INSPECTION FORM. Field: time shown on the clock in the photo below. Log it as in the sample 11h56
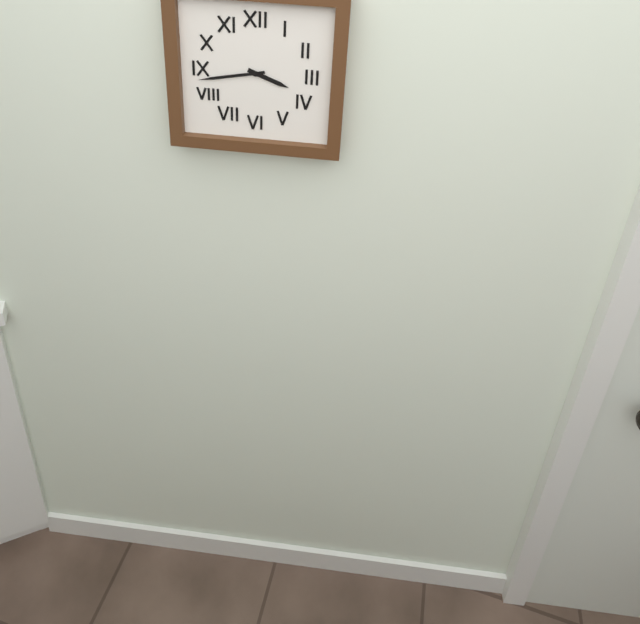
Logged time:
3h43
